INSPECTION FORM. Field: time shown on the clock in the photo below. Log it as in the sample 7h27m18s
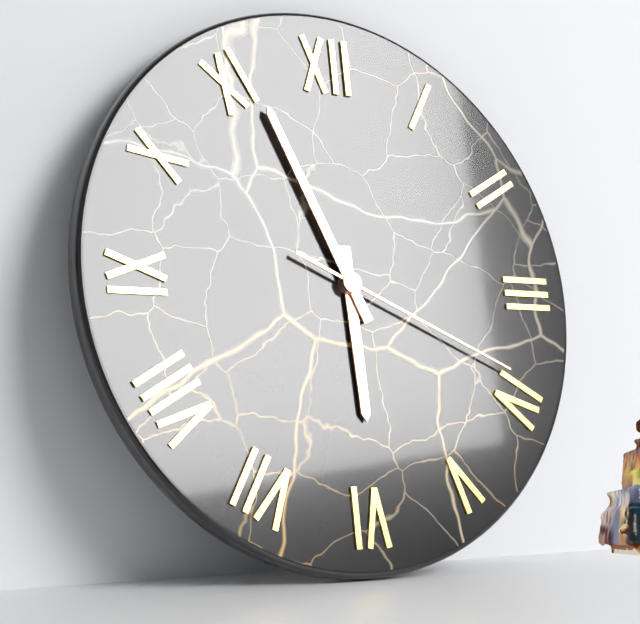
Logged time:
5h56m19s
